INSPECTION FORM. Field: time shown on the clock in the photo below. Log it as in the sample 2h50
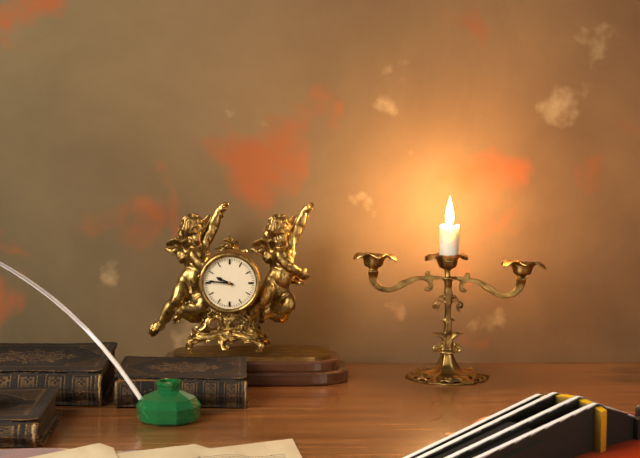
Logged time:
9h46
